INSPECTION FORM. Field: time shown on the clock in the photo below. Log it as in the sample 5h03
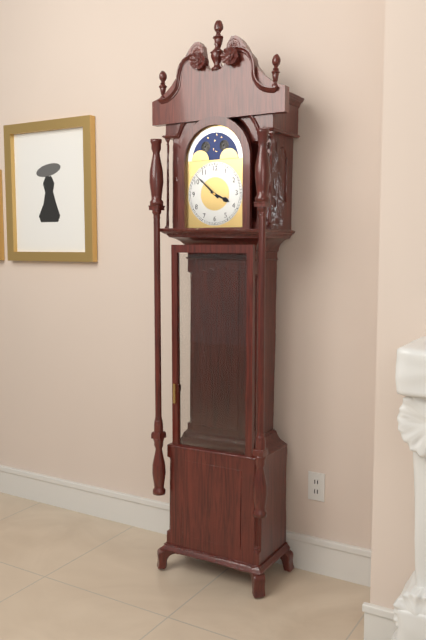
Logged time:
3h52
